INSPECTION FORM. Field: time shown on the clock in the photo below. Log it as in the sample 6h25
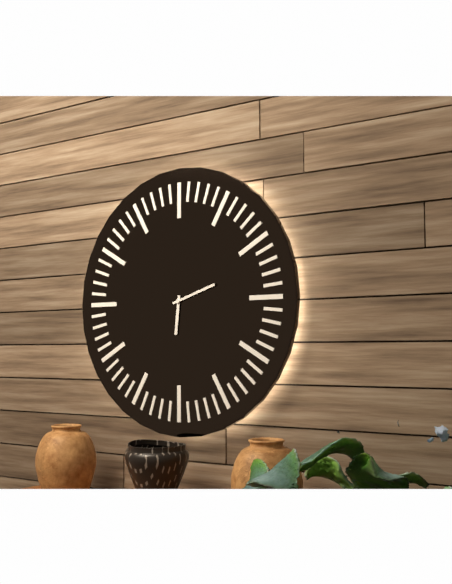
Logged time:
6h12
